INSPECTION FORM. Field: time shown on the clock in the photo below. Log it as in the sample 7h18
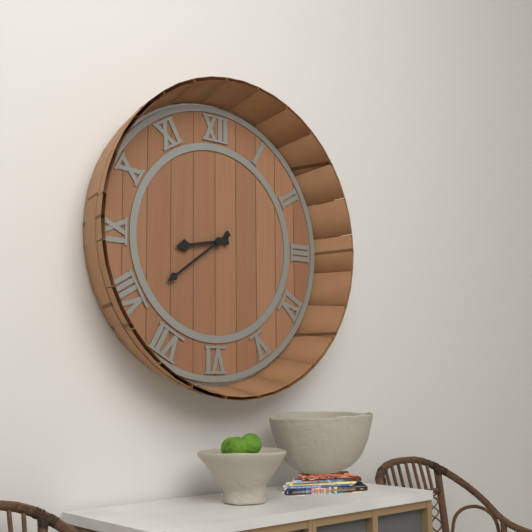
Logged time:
8h39
